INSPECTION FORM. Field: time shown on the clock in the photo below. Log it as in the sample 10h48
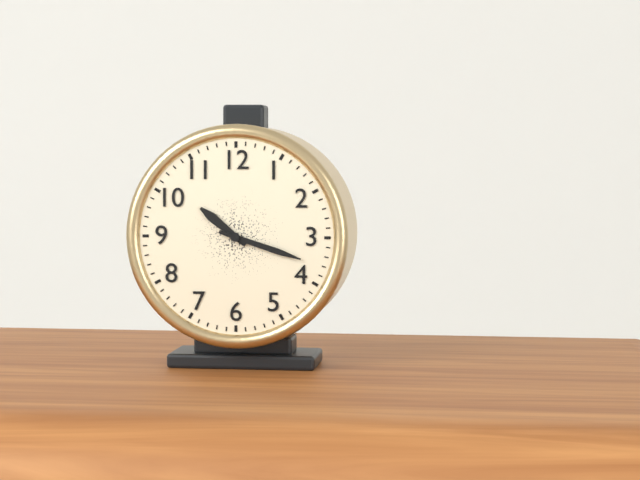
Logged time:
10h18
